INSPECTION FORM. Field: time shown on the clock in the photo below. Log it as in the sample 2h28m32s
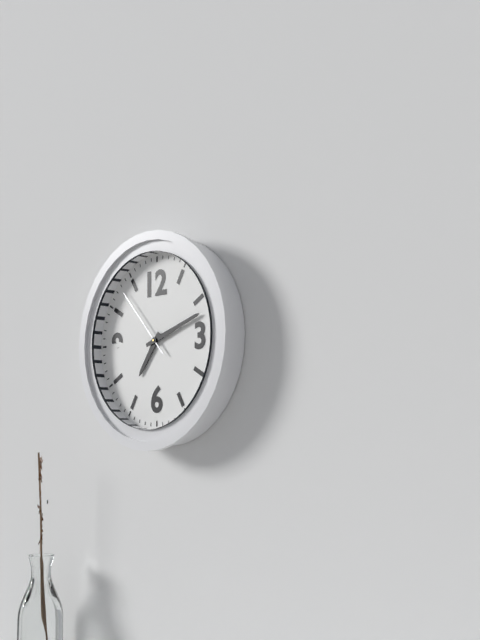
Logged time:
7h12m53s
